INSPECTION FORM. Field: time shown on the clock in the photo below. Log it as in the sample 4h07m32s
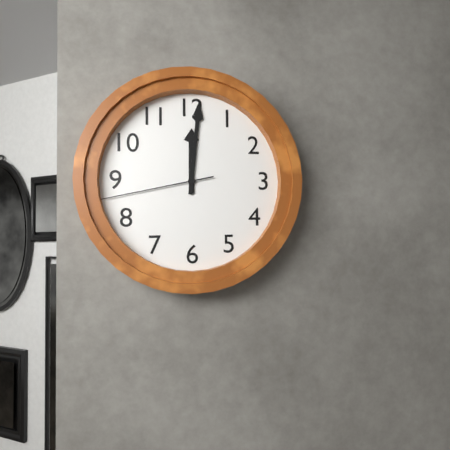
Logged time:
12h01m43s
